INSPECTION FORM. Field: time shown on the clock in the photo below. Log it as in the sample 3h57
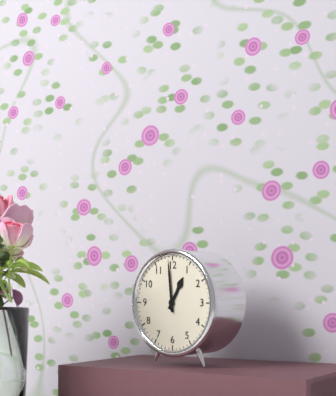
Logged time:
12h59
